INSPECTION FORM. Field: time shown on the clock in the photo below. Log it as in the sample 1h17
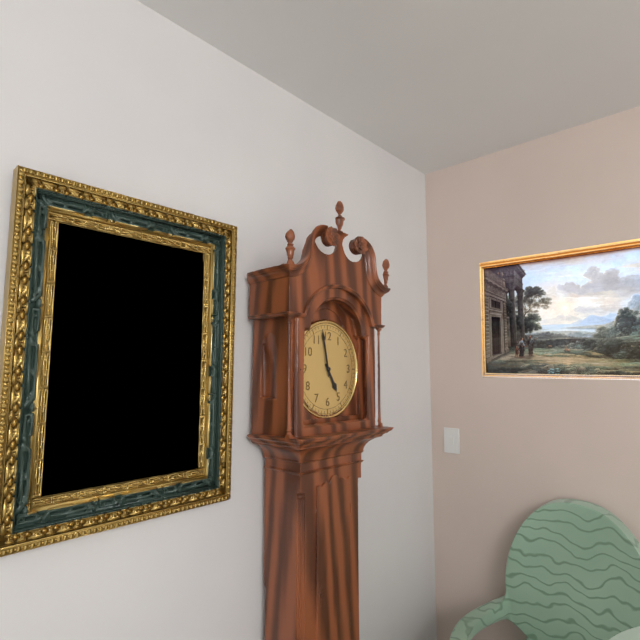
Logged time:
4h58
